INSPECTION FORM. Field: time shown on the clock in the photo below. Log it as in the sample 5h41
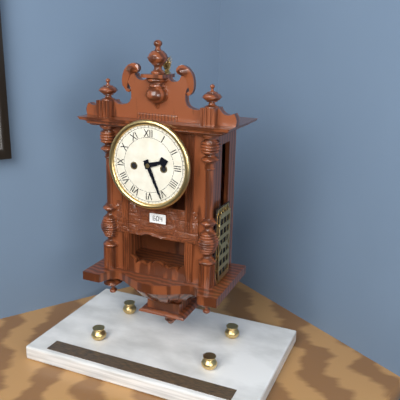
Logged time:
2h26
